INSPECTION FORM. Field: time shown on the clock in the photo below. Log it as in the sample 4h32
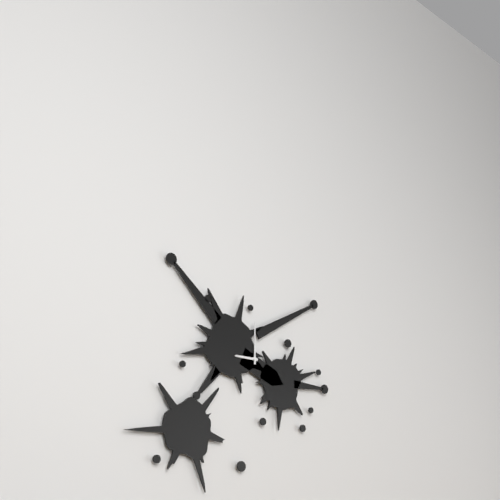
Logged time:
9h00
